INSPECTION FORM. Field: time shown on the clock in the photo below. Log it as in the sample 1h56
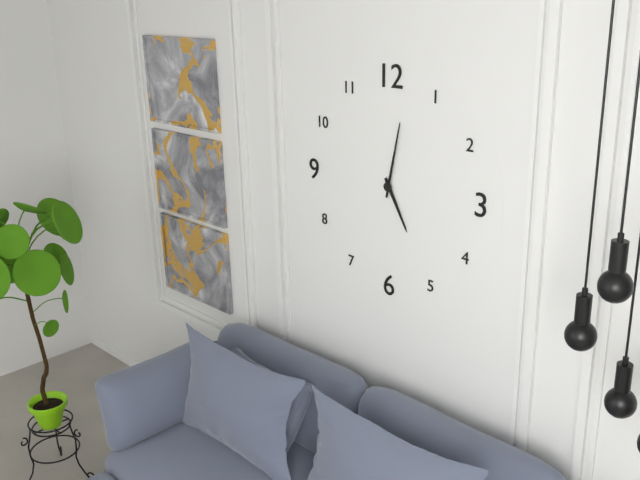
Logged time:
5h02
